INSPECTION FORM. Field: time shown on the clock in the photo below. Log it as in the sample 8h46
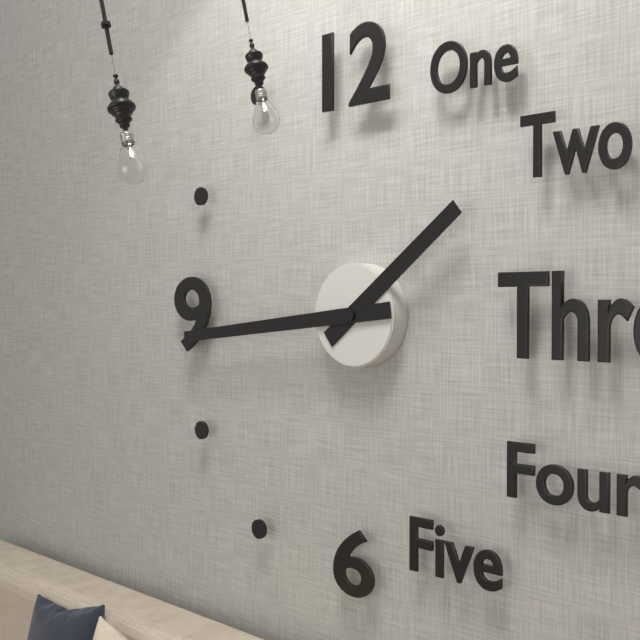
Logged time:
1h44
